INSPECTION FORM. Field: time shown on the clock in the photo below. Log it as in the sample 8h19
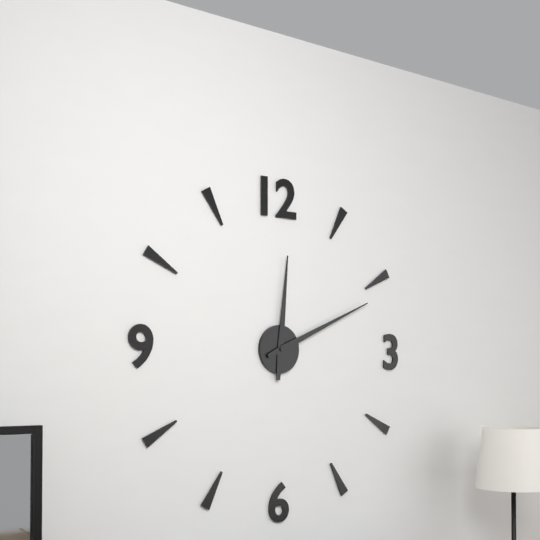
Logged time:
12h11
